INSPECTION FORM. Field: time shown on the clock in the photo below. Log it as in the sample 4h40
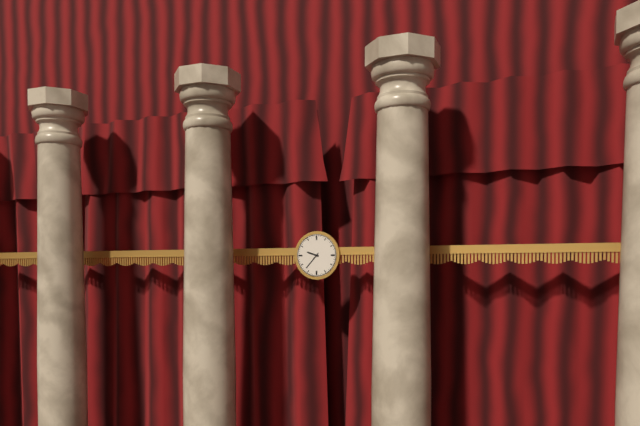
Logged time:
9h37
